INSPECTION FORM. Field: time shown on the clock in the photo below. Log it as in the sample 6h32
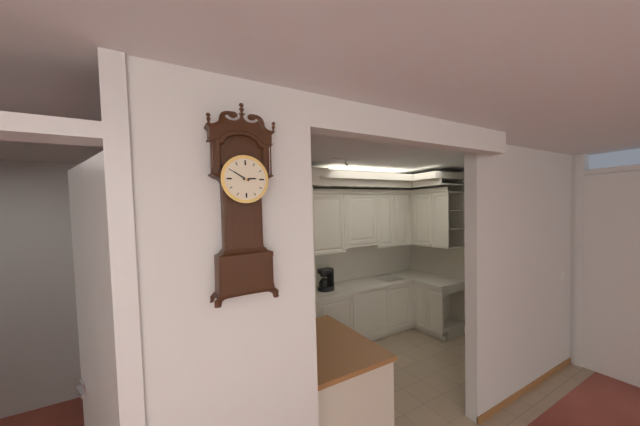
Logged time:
2h50
